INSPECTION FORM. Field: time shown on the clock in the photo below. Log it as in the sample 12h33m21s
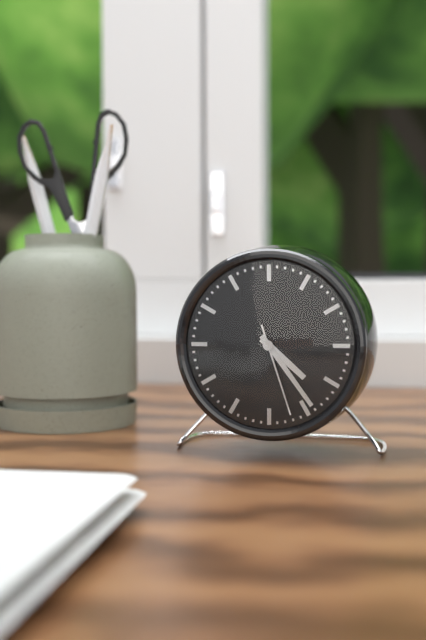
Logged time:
4h24m27s
